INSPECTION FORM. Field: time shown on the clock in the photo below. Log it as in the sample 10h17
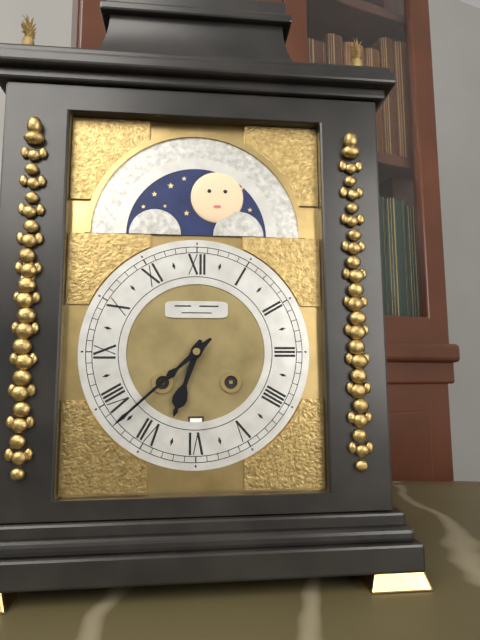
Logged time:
6h38
